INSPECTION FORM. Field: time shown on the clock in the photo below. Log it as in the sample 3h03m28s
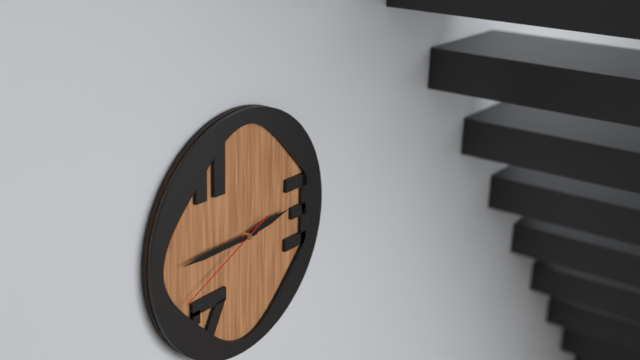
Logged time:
2h45m41s
